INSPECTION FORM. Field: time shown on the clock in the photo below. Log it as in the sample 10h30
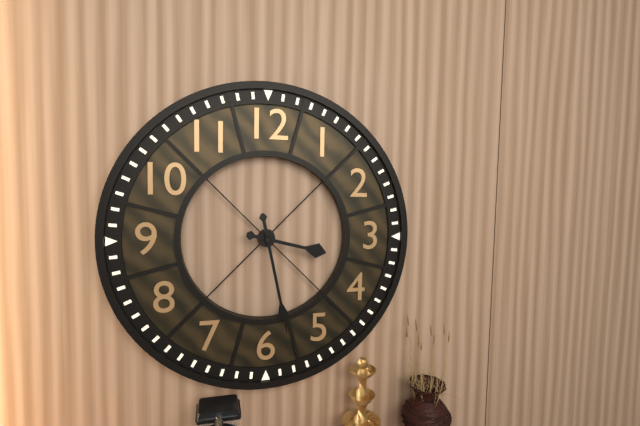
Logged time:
3h28
